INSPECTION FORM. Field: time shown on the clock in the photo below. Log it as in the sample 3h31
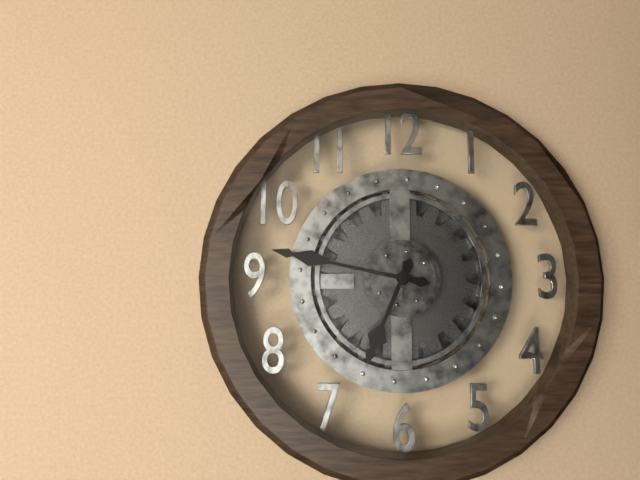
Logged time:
6h47
